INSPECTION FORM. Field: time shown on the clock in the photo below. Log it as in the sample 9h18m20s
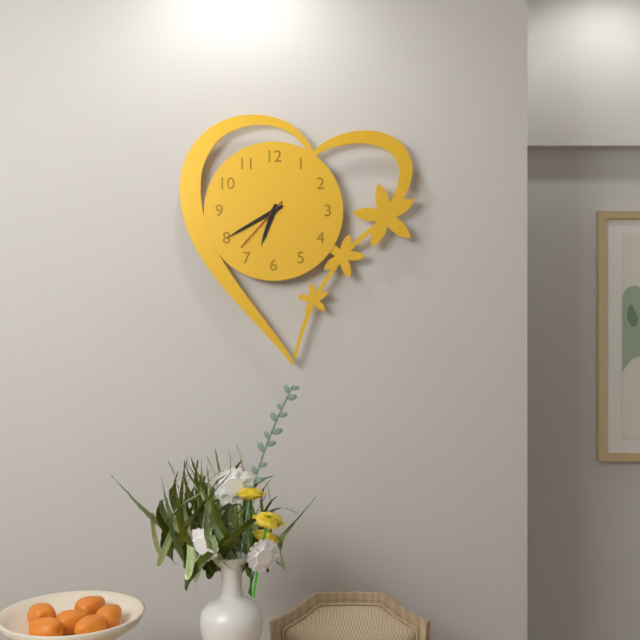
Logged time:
6h40m37s
